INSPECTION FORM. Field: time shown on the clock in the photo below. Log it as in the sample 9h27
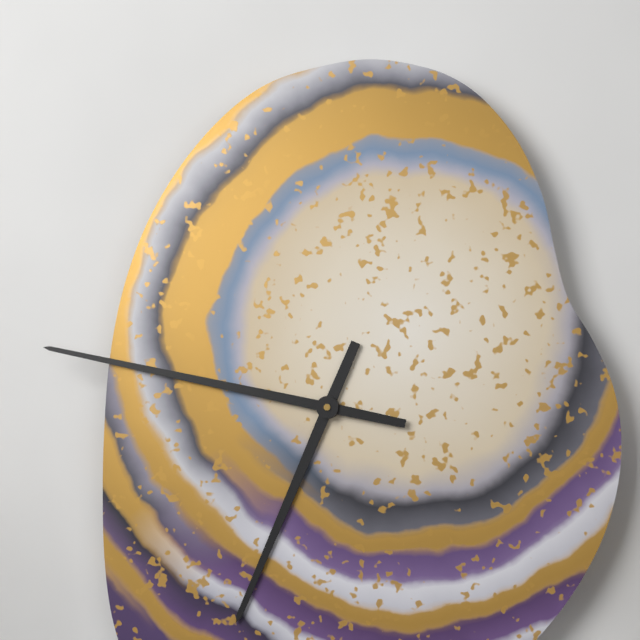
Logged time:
6h47
